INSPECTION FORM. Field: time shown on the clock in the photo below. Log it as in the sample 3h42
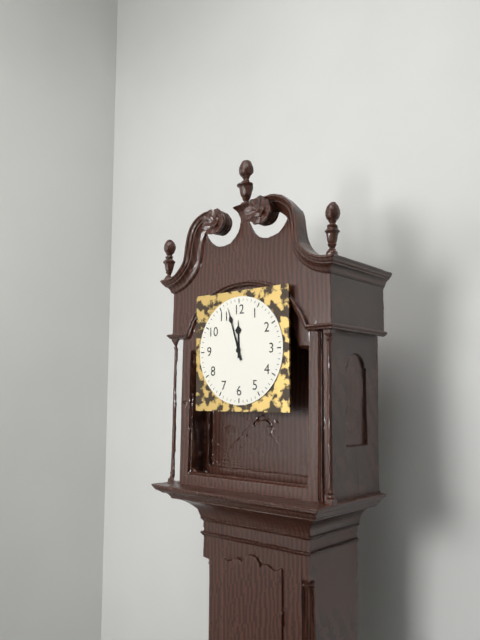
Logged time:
11h57
